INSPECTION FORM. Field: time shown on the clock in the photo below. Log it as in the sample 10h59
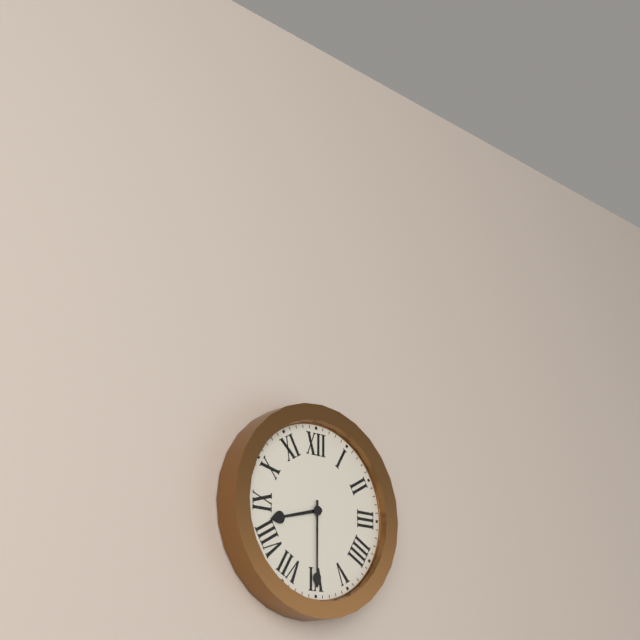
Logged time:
8h30
